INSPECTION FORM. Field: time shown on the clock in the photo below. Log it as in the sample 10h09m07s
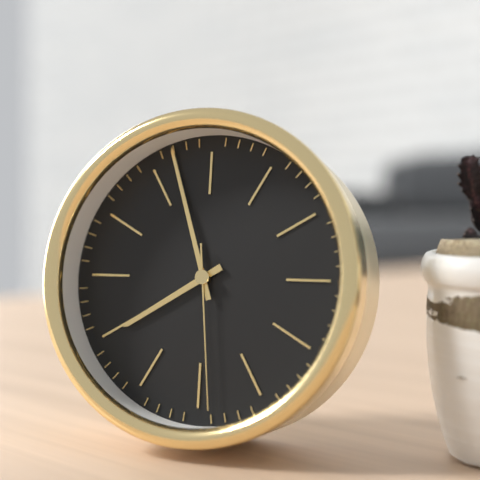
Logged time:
7h57m29s
